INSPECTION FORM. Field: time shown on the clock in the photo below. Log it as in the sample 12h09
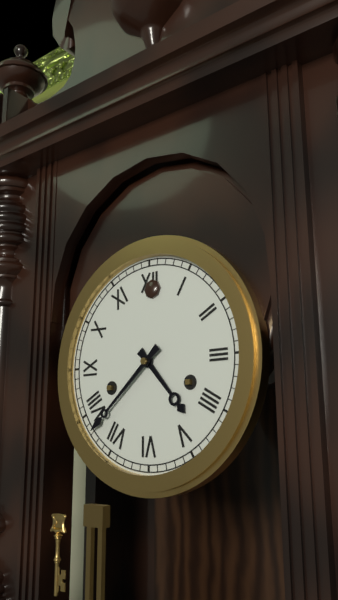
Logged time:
4h38
